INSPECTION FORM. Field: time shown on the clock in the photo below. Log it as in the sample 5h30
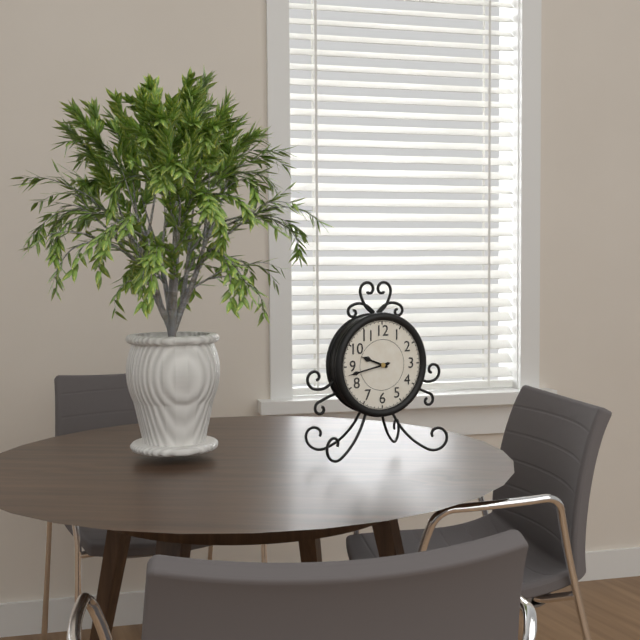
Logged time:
9h43
